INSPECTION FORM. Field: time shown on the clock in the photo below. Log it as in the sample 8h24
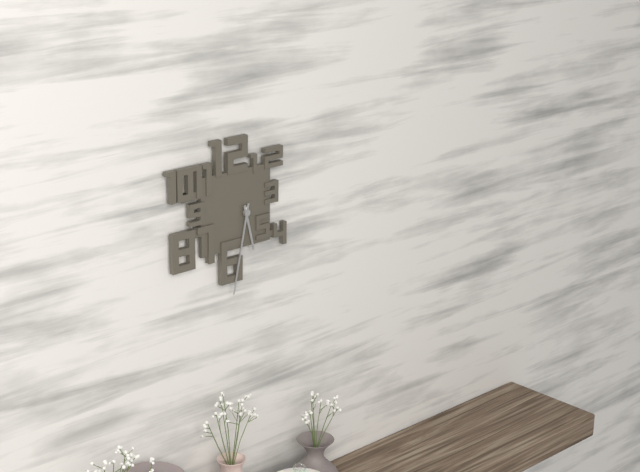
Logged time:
5h32
